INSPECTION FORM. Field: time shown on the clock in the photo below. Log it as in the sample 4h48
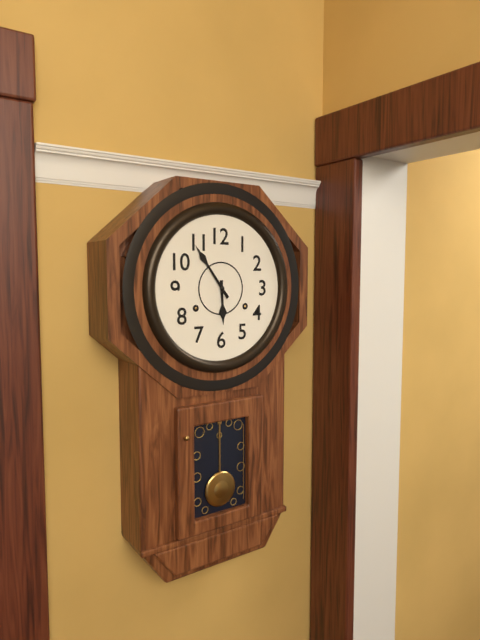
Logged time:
5h54
